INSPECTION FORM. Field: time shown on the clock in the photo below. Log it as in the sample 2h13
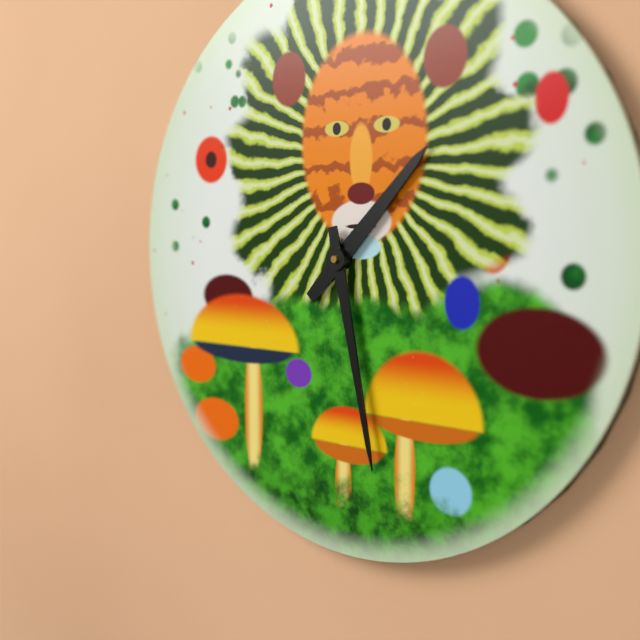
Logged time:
1h28
